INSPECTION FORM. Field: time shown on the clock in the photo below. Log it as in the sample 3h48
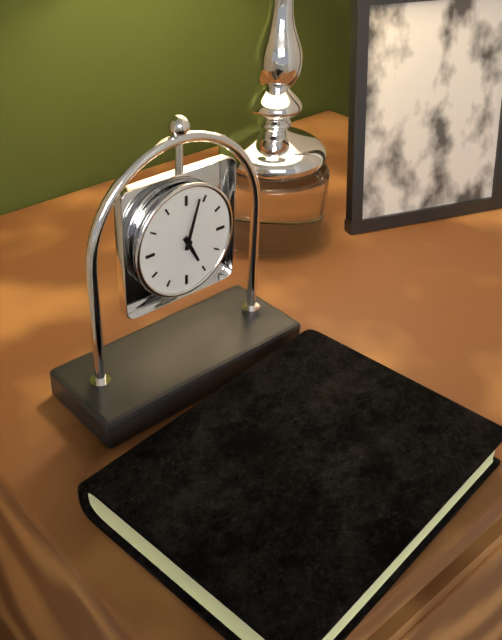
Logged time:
5h03
